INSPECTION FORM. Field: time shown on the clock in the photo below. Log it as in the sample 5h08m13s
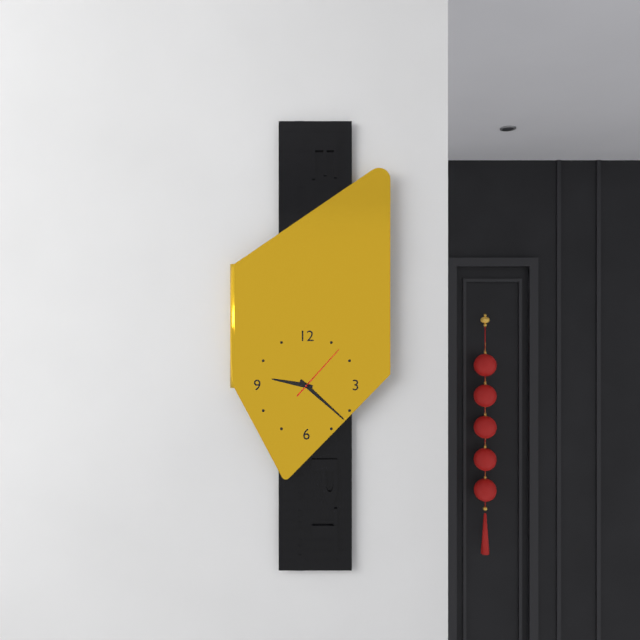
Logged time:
9h22m07s
